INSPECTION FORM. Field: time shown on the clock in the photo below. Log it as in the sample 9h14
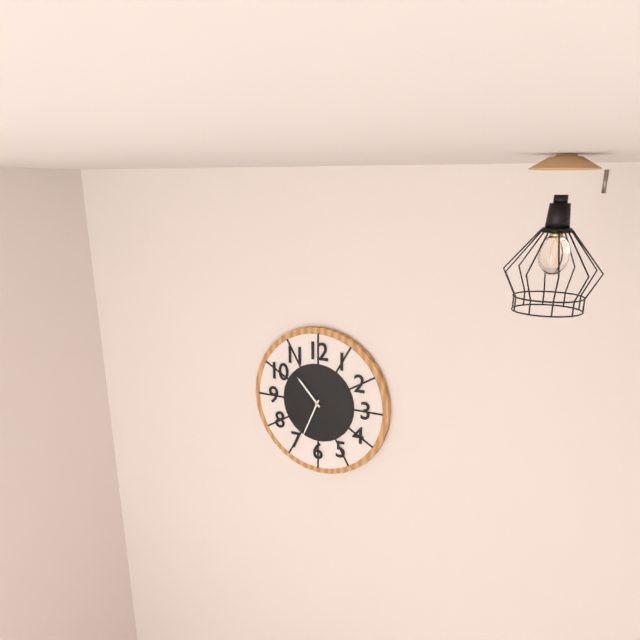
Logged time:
10h34
